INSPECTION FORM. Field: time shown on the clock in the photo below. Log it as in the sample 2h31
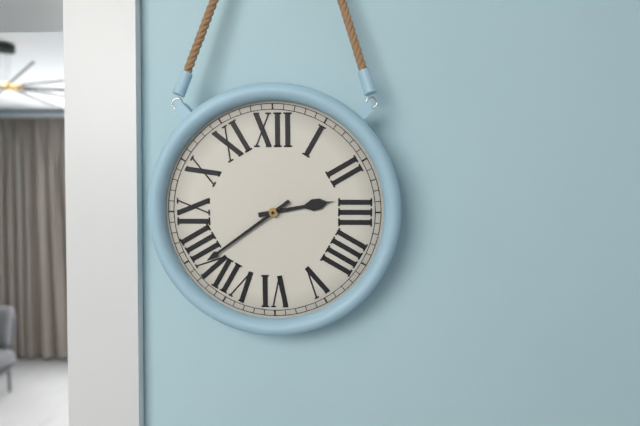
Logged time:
2h39
